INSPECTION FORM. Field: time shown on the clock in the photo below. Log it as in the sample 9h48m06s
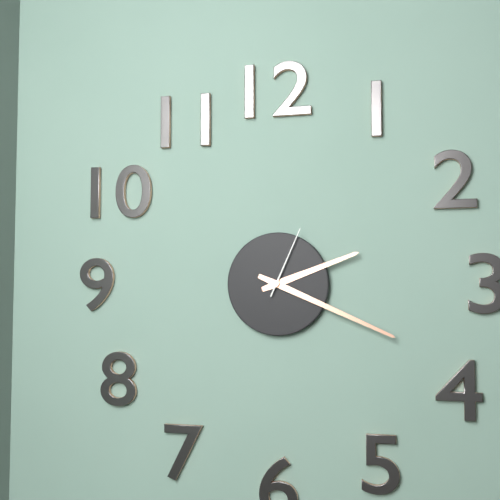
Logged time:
2h19m04s
